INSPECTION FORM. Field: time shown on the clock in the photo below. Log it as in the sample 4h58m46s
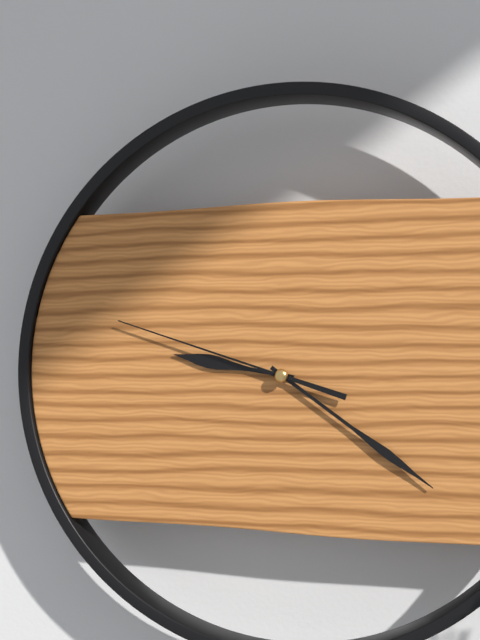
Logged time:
9h21m48s
